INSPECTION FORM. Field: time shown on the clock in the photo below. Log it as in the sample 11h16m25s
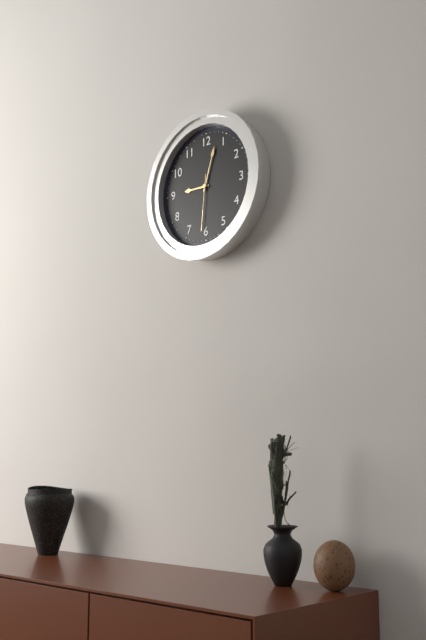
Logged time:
9h03m31s
